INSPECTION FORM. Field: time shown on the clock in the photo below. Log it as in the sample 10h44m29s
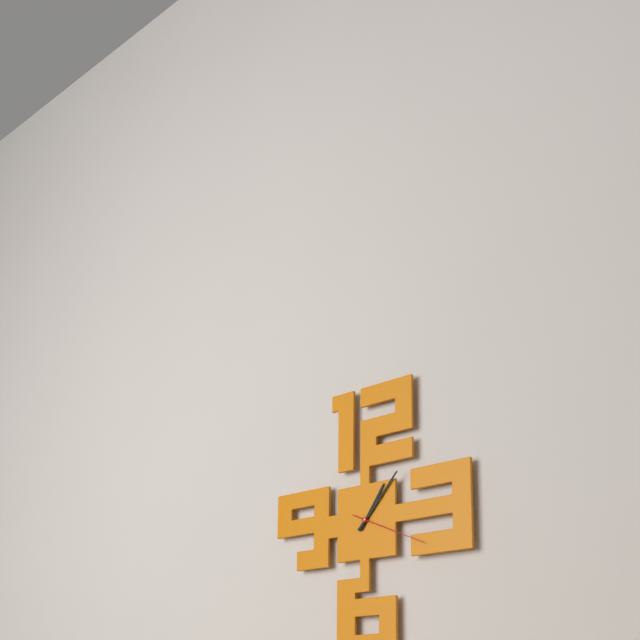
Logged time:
1h07m19s
